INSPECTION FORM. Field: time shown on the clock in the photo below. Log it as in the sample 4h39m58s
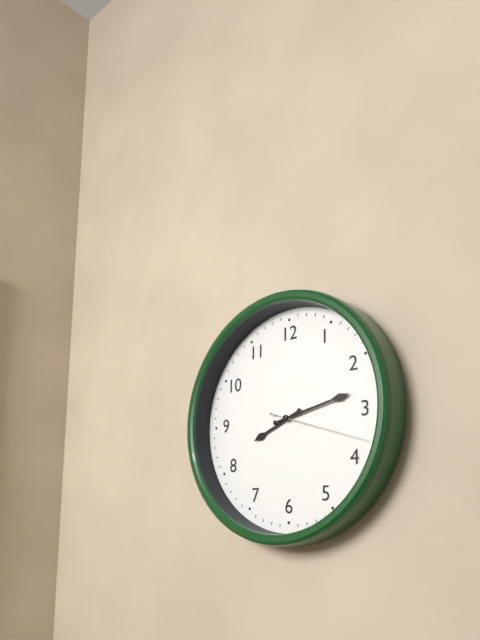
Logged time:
8h13m18s
